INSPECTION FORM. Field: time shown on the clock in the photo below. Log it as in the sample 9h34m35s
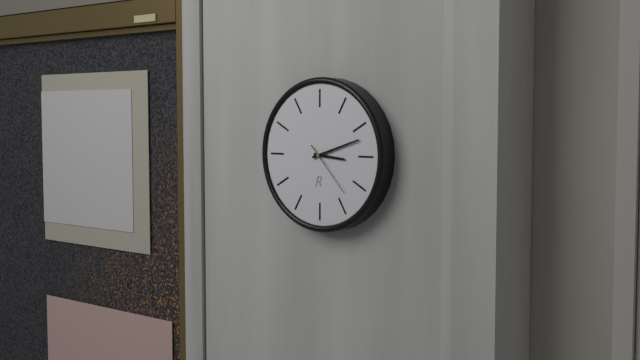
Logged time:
3h12m23s
